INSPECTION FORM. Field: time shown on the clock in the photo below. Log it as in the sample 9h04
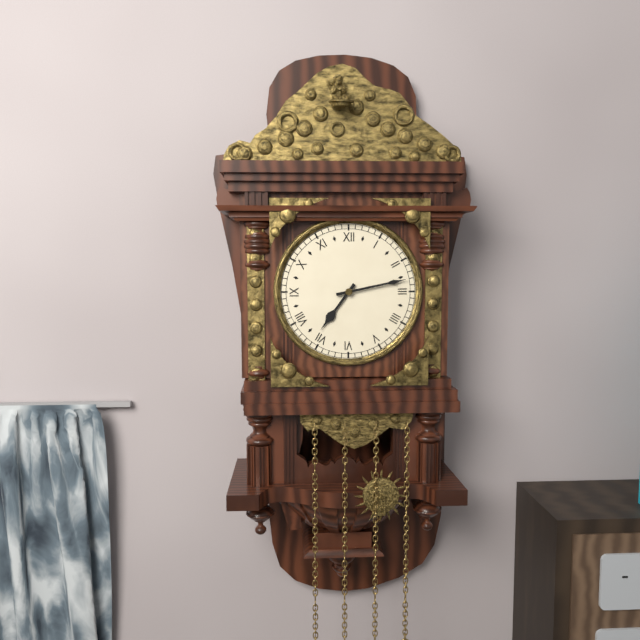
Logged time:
7h13
